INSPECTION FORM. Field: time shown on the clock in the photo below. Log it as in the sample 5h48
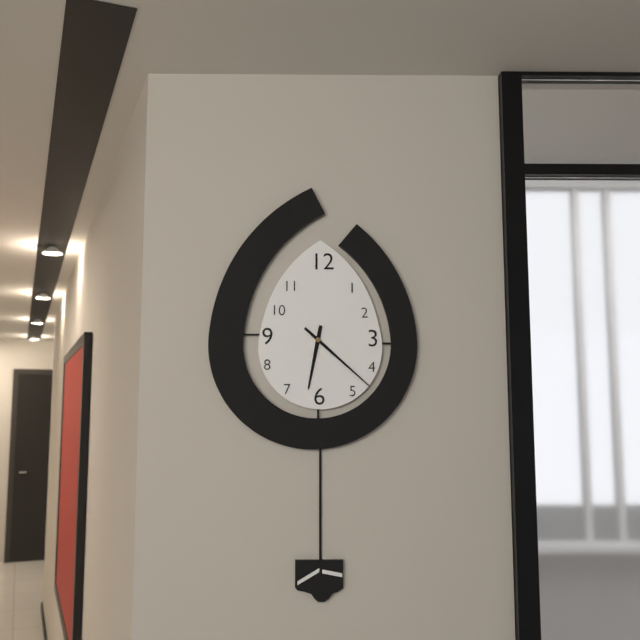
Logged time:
6h22
